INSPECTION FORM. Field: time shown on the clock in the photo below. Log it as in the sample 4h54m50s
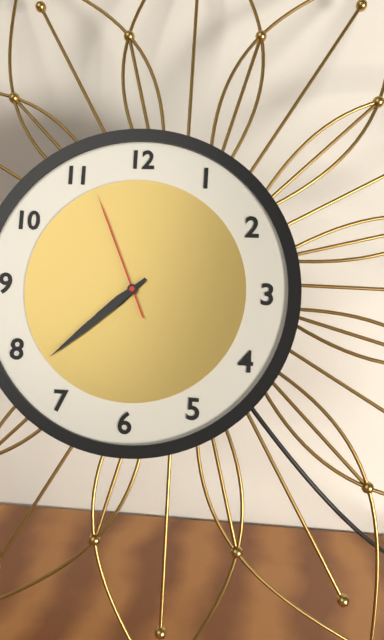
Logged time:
7h38m56s
